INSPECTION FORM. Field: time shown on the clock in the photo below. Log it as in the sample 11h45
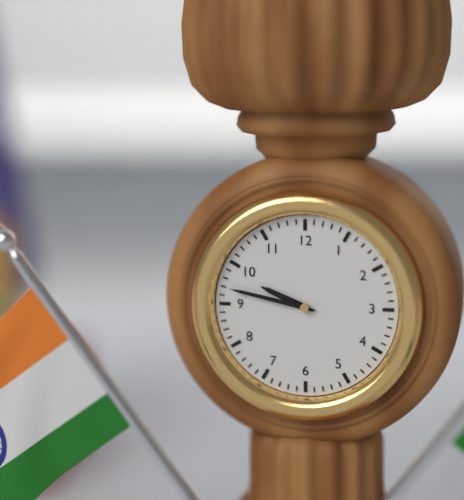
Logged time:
9h47
